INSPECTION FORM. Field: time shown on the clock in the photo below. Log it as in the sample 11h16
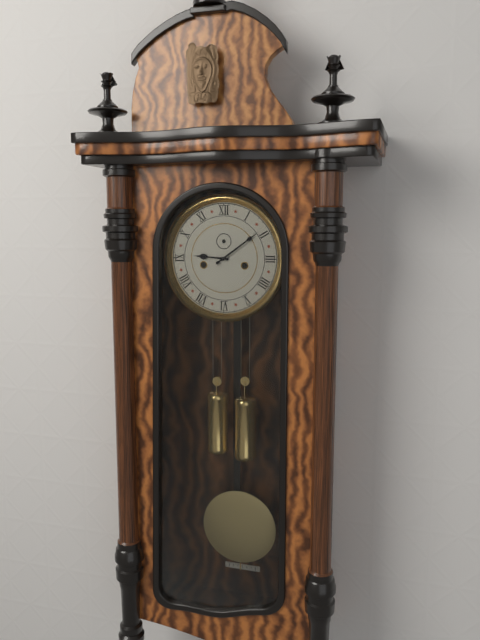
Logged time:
9h09
